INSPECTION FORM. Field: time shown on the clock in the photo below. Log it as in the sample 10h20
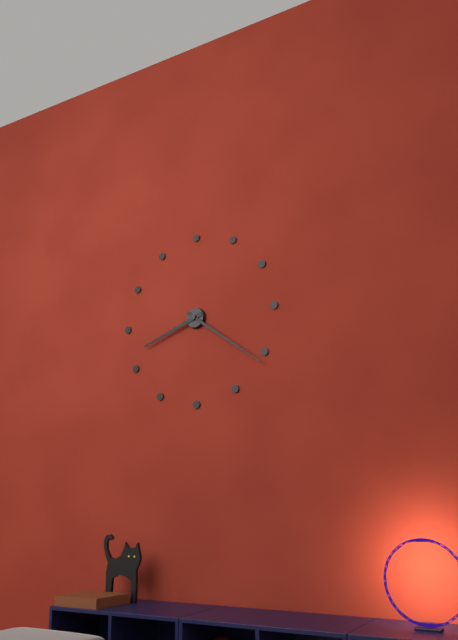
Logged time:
8h21
